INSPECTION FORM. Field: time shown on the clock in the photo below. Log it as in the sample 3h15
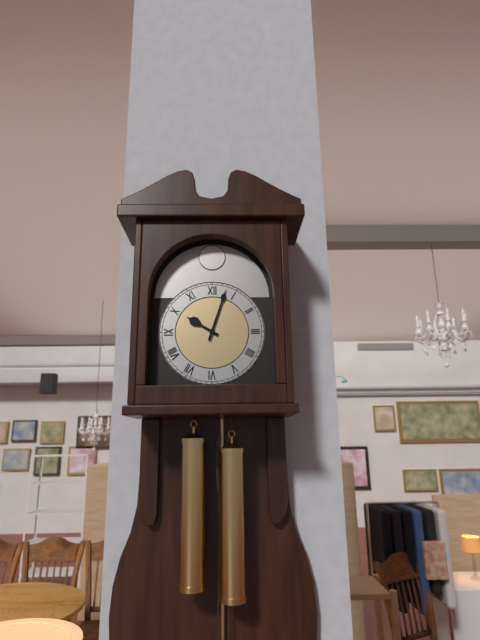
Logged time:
10h03
